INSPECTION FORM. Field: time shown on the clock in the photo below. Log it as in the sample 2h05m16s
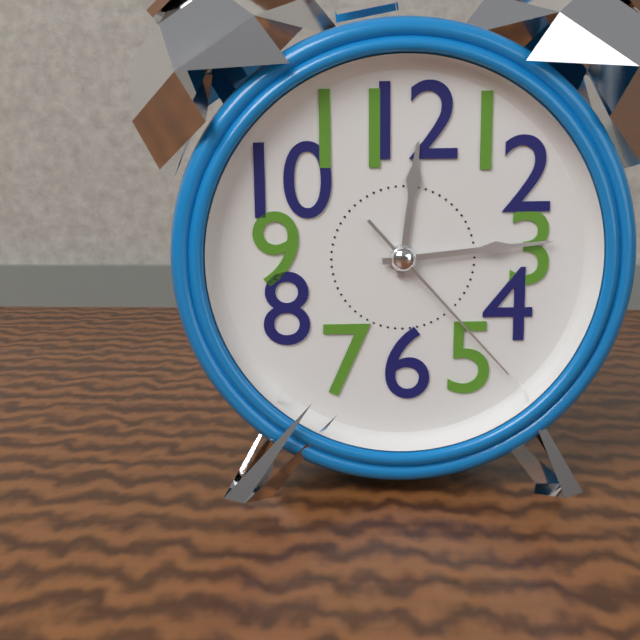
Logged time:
12h14m23s
